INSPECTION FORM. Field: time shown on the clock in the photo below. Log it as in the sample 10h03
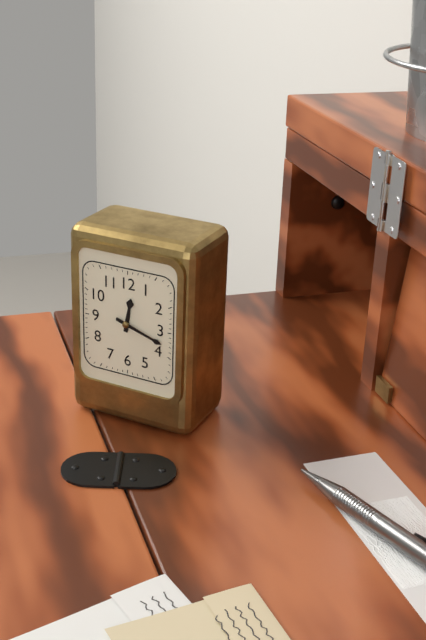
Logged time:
12h18
